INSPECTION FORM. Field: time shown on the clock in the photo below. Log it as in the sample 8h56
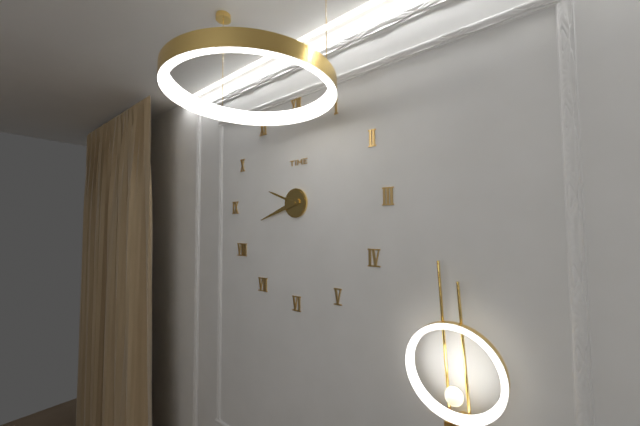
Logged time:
9h42
